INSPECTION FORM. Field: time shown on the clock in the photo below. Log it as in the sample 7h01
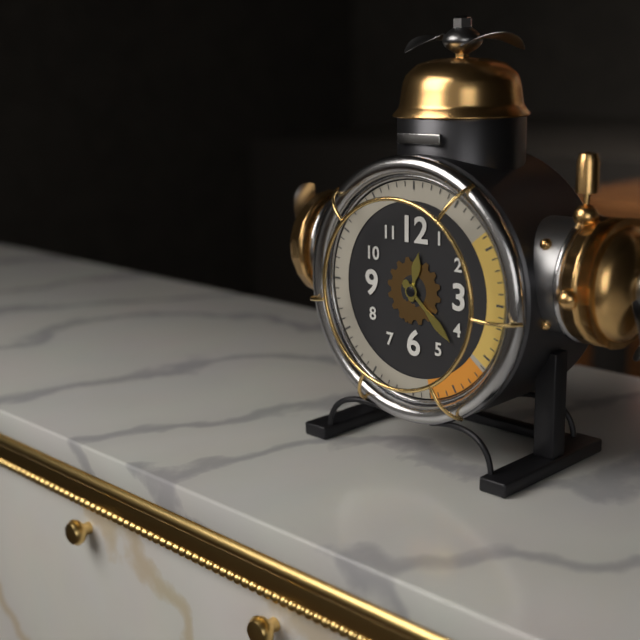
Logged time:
12h22
